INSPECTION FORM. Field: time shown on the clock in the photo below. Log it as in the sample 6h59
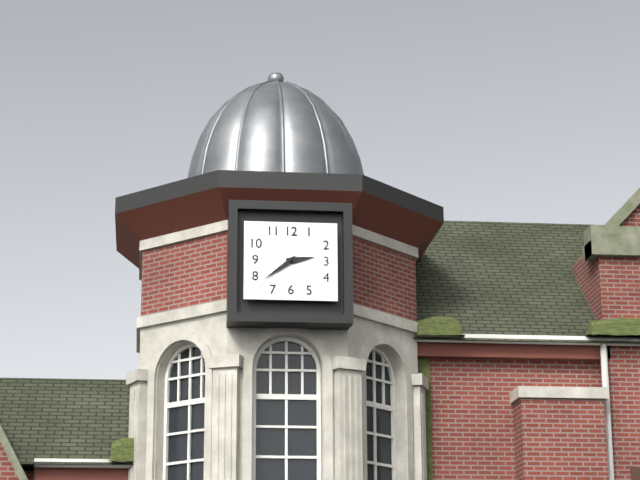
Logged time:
2h39
